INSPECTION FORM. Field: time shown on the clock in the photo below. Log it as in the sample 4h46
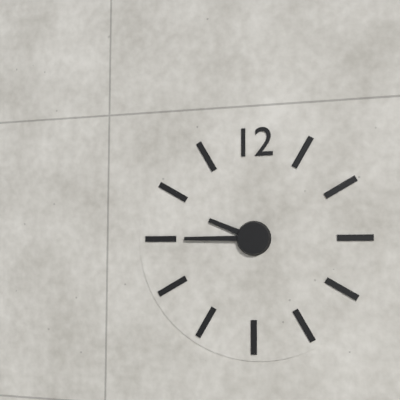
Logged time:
9h45
